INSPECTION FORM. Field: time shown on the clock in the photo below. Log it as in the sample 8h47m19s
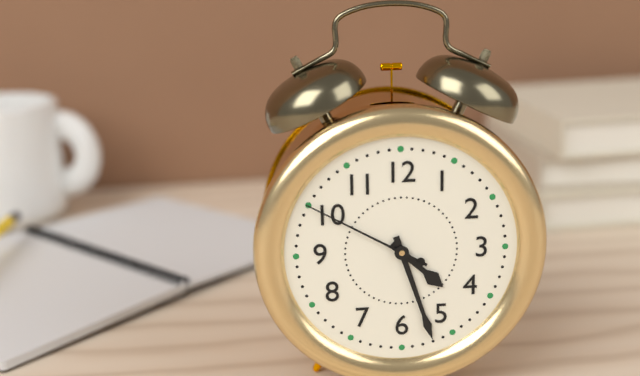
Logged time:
4h27m50s
